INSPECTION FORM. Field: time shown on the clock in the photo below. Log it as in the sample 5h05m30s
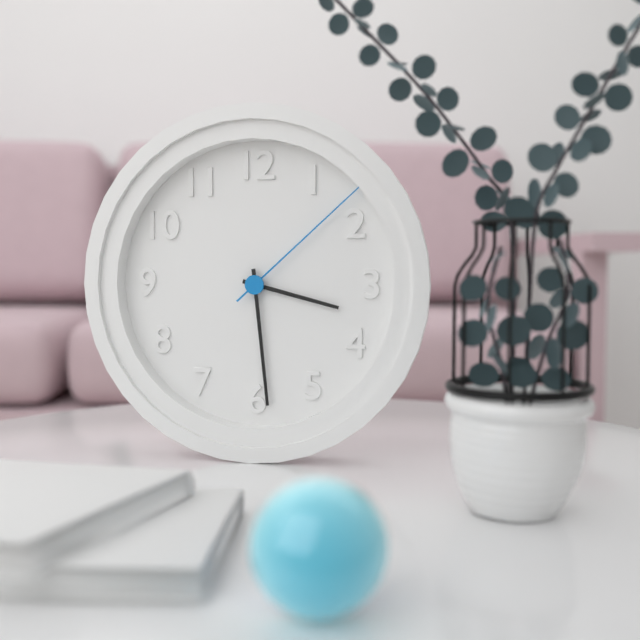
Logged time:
3h29m08s
